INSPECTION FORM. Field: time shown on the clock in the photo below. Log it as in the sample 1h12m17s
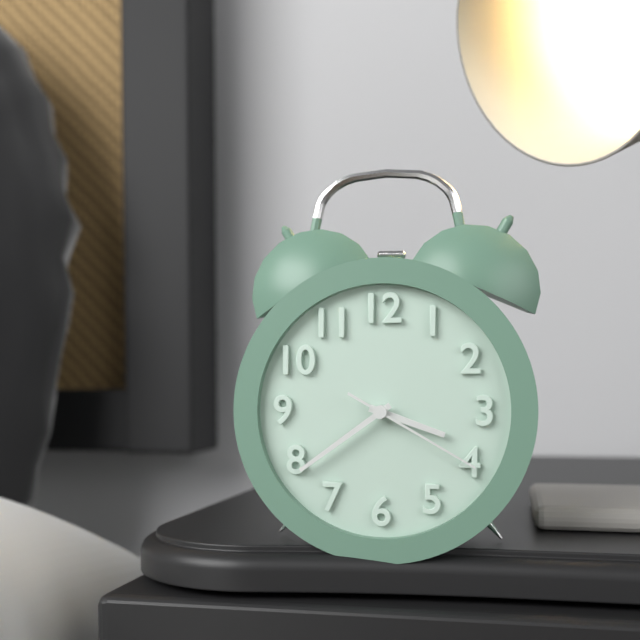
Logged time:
3h39m20s
